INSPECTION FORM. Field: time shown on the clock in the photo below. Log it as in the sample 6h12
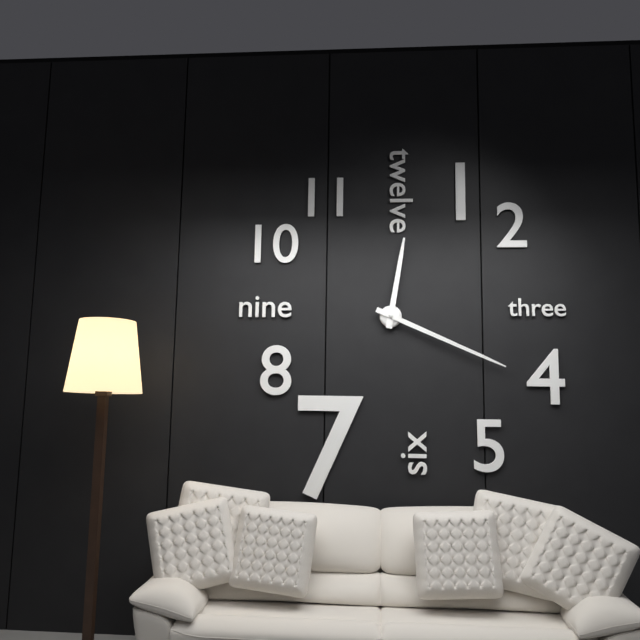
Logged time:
12h19
